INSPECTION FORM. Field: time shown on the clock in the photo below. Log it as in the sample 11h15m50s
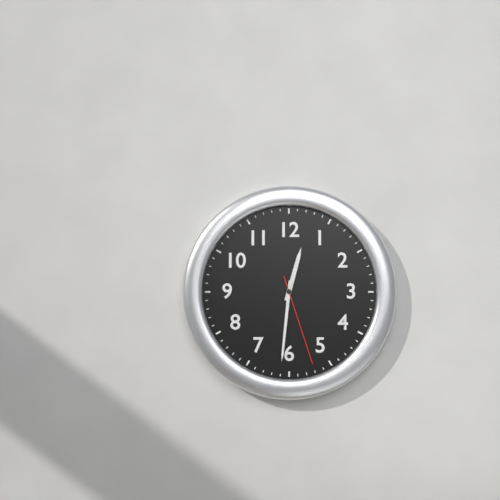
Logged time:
12h31m27s
